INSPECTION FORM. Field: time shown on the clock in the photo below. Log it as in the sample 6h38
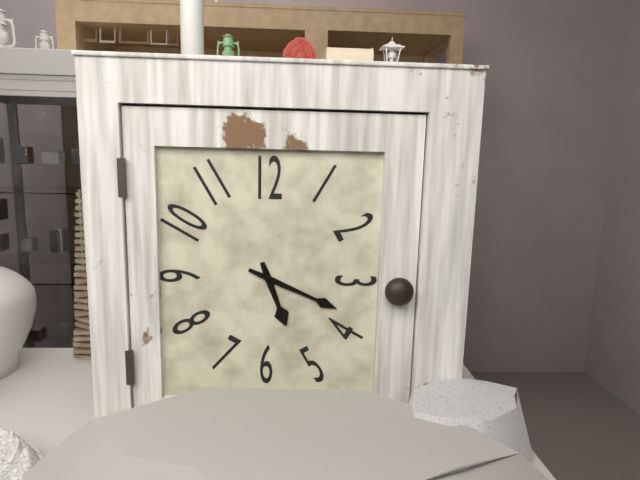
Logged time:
5h19
